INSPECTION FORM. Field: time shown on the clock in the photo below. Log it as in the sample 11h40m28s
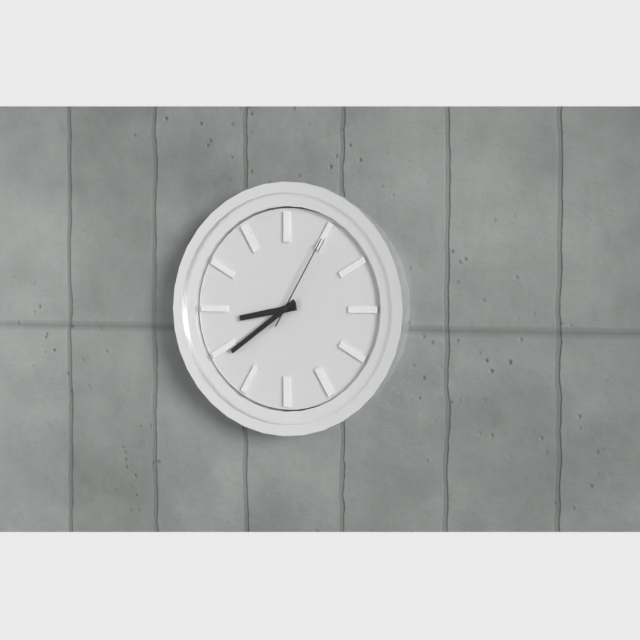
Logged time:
8h39m05s
